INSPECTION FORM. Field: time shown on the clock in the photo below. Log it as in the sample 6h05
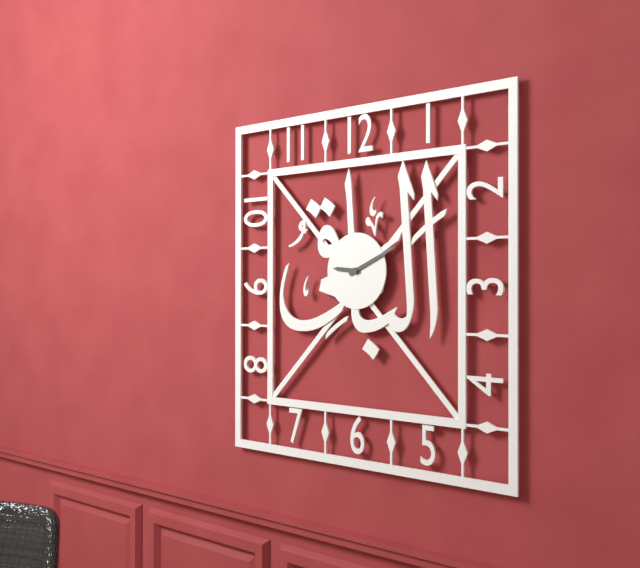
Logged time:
9h11
